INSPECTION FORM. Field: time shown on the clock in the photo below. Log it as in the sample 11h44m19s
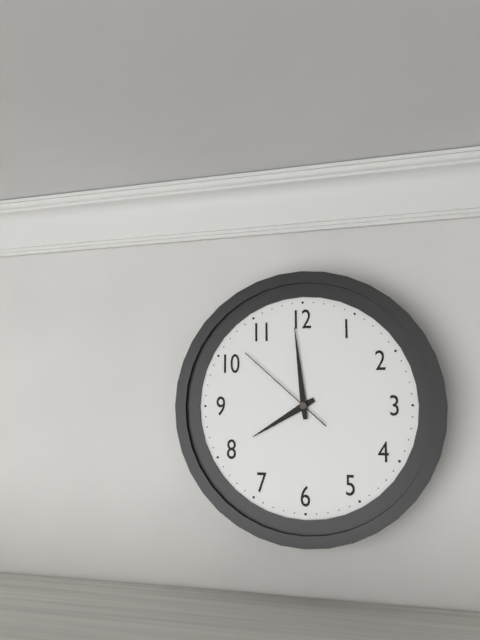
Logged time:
7h59m52s
